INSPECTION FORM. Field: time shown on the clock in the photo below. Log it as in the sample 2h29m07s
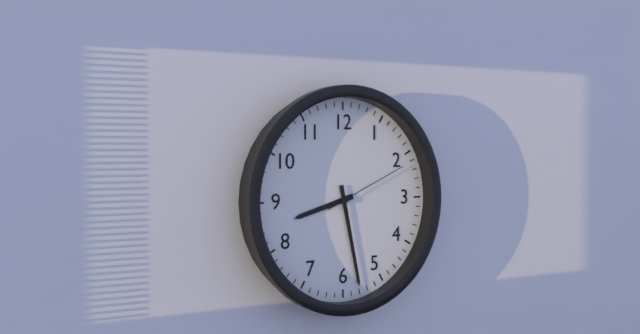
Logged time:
8h28m11s
